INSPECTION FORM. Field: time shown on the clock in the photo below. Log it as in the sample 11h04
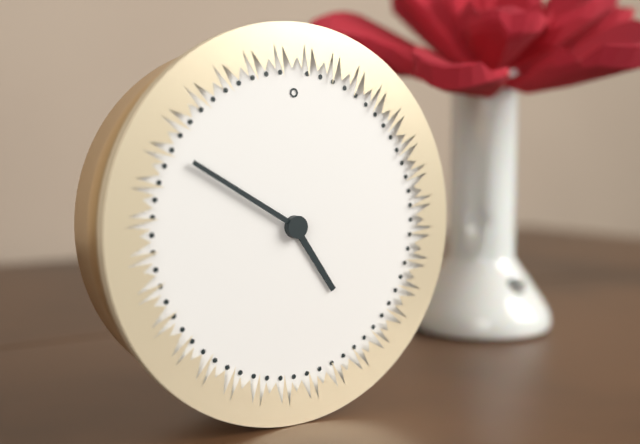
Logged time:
4h50
